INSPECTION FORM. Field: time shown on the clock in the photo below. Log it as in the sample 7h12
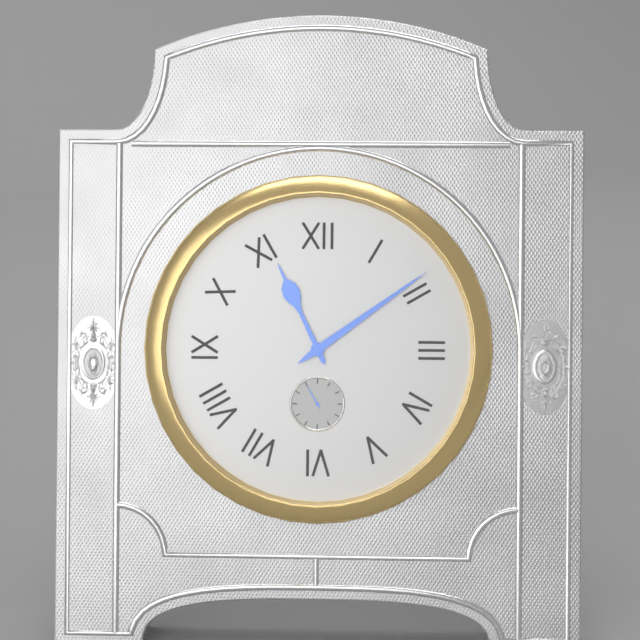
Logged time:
11h09
